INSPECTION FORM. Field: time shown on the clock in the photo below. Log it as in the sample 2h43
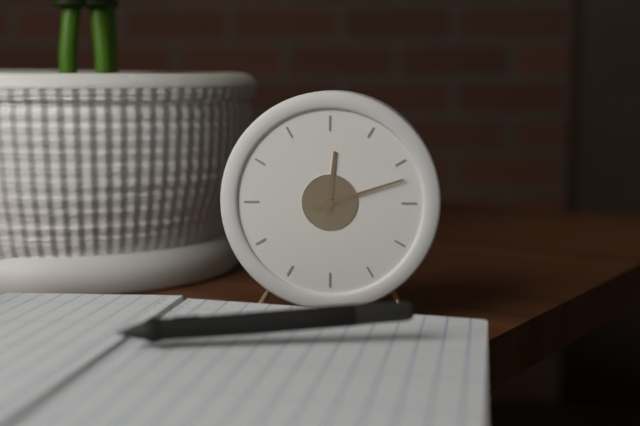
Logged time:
12h12
